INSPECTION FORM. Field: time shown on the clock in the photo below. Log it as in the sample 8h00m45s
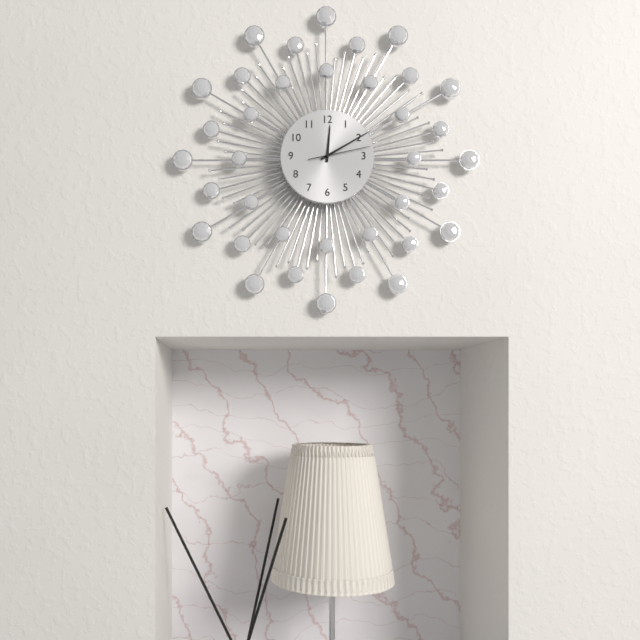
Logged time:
12h10m13s
